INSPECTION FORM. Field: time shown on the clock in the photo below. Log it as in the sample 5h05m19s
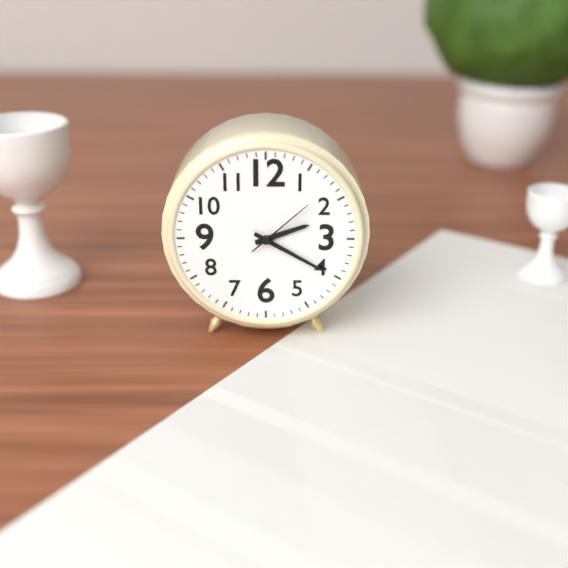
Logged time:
2h20m08s
